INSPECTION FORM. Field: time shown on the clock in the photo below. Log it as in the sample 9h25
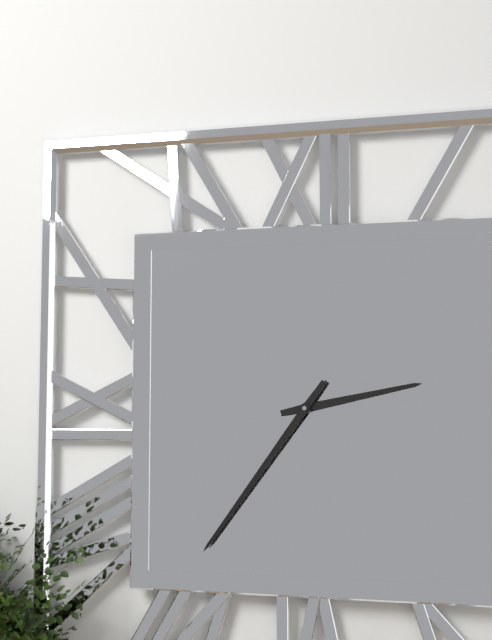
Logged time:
2h36
